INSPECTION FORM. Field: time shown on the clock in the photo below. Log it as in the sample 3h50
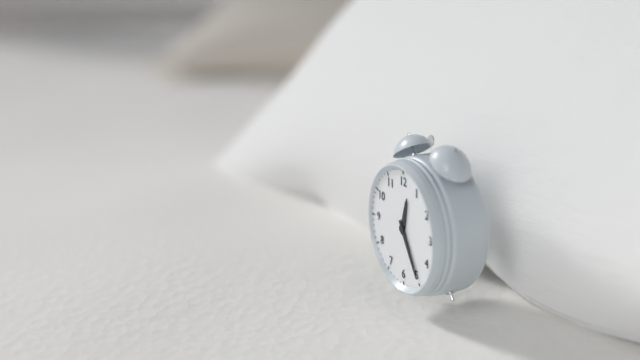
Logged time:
12h25
